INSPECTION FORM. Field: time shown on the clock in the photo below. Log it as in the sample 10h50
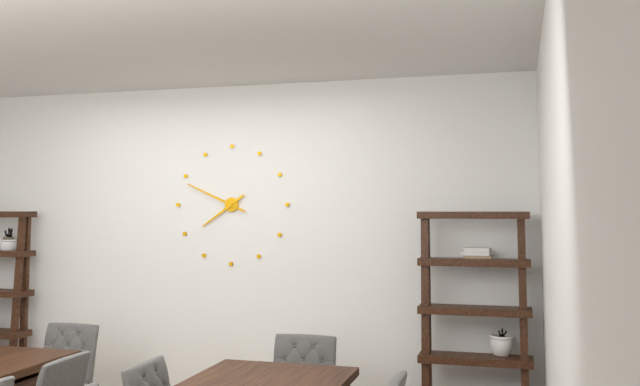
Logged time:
7h49
